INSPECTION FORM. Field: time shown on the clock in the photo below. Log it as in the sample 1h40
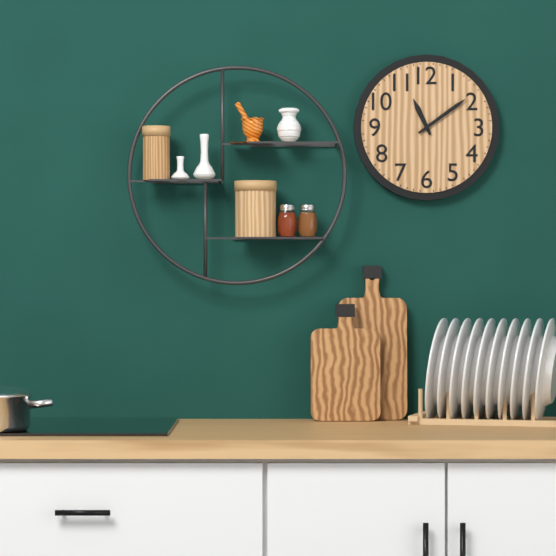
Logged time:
11h09
